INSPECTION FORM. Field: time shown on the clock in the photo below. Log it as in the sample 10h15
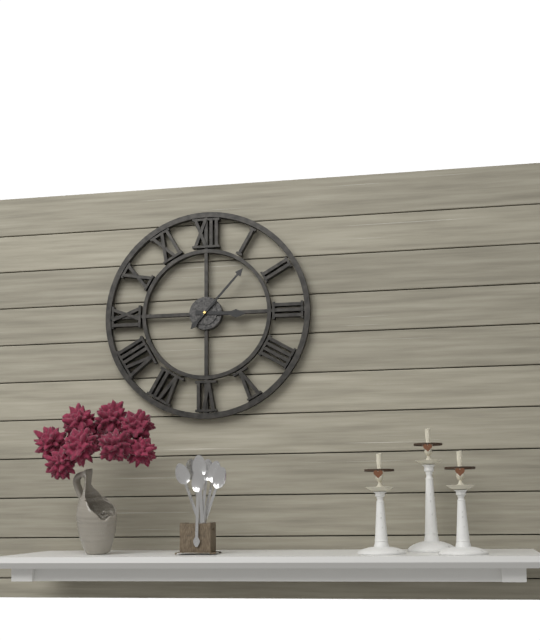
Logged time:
3h07
